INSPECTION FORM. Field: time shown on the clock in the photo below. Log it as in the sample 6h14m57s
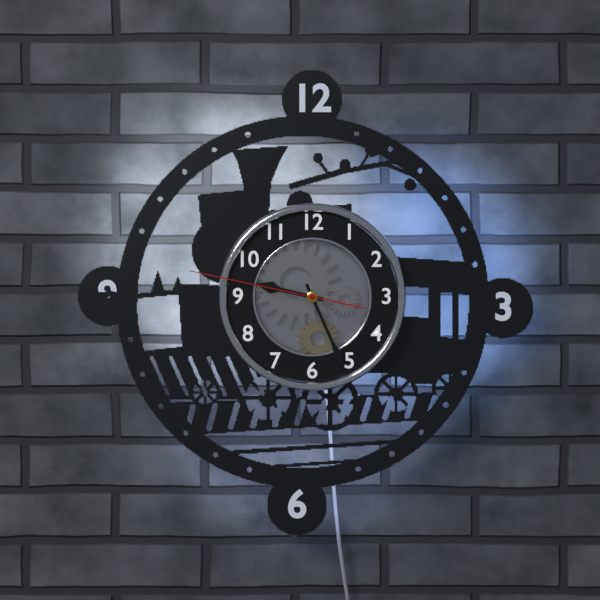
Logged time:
9h26m47s
